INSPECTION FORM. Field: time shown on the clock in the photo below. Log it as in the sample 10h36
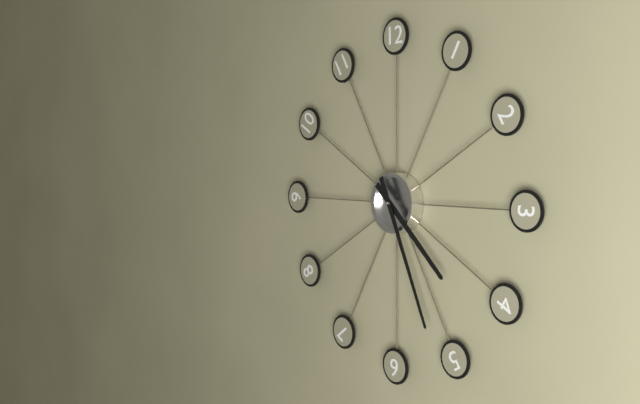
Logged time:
4h26
